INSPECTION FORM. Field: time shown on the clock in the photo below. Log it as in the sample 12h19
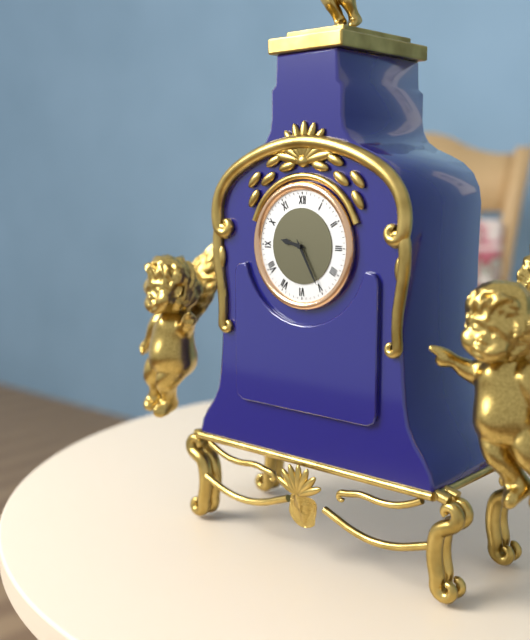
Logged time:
9h25
